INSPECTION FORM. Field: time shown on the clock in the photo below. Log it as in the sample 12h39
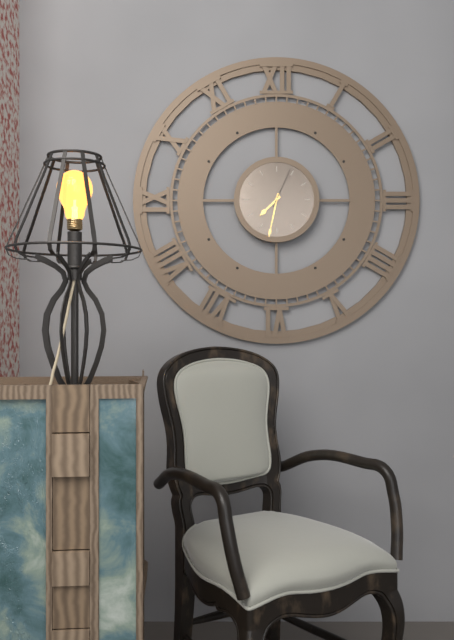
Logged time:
7h32
